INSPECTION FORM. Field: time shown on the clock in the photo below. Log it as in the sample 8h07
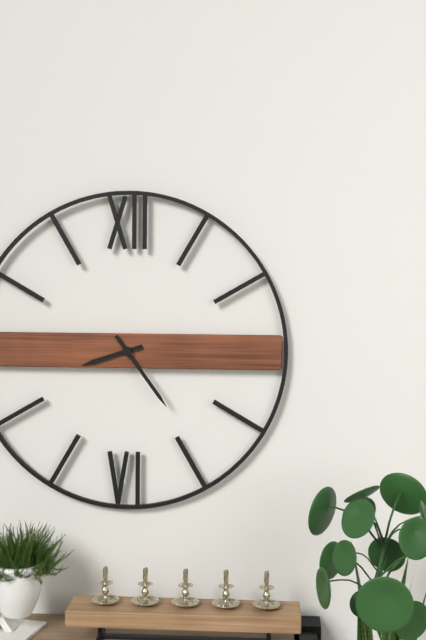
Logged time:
8h24
